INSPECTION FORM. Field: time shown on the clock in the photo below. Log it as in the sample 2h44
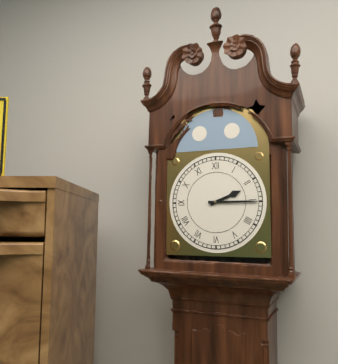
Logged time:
2h15
